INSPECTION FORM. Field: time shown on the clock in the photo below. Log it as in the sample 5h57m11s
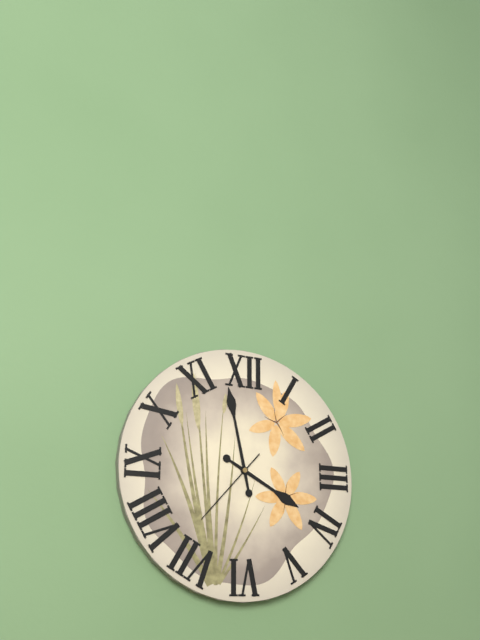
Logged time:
3h58m37s
